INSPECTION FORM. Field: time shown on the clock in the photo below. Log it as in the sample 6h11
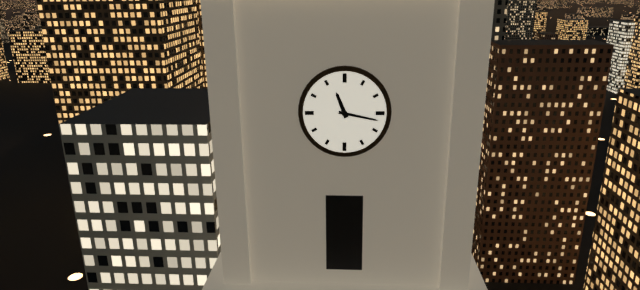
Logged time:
11h17
